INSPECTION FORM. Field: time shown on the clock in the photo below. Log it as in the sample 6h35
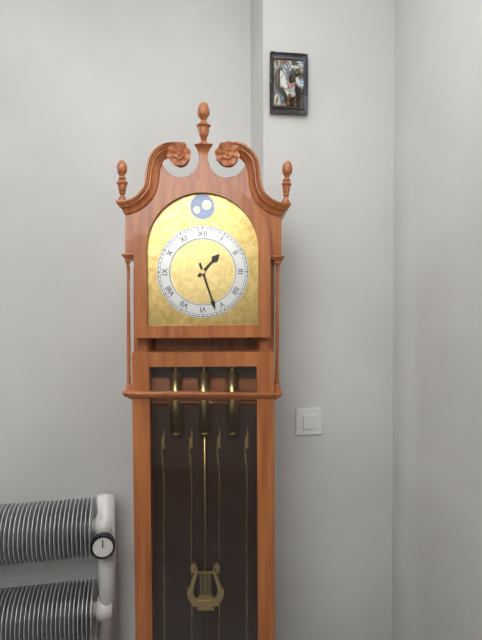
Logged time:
1h27
